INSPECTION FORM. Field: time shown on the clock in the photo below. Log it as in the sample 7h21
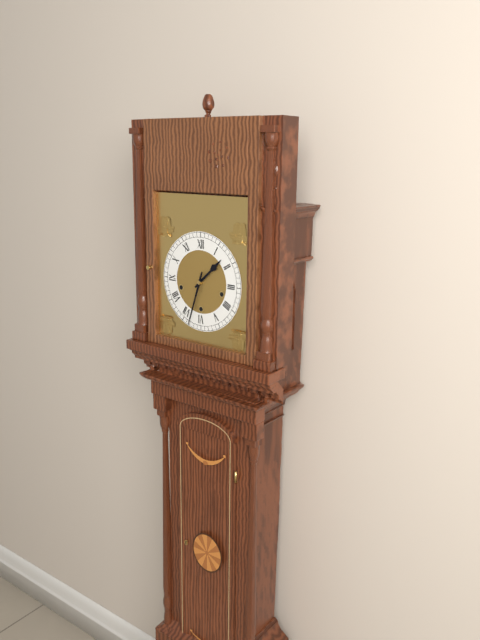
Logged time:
1h33
